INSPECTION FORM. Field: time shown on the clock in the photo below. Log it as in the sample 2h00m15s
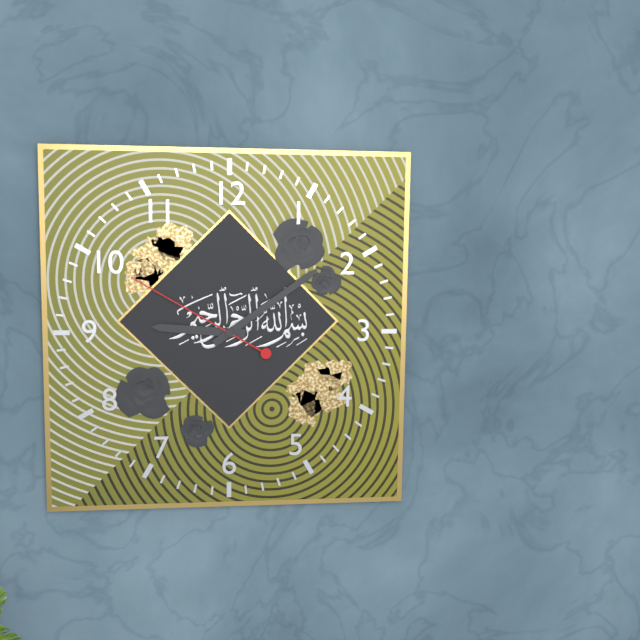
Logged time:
9h09m50s
